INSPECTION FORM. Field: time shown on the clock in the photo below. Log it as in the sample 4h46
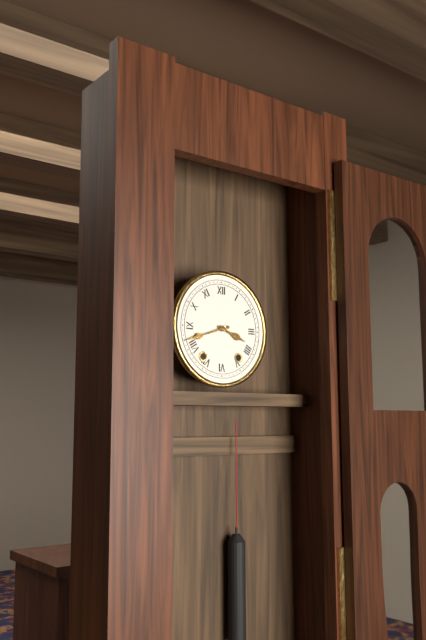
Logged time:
3h42
